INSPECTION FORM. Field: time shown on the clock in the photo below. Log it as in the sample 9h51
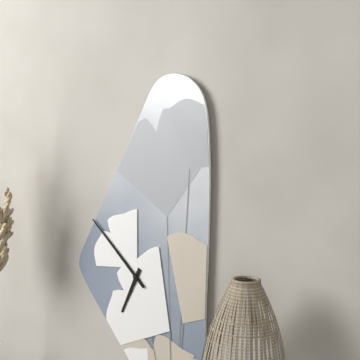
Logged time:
6h52
